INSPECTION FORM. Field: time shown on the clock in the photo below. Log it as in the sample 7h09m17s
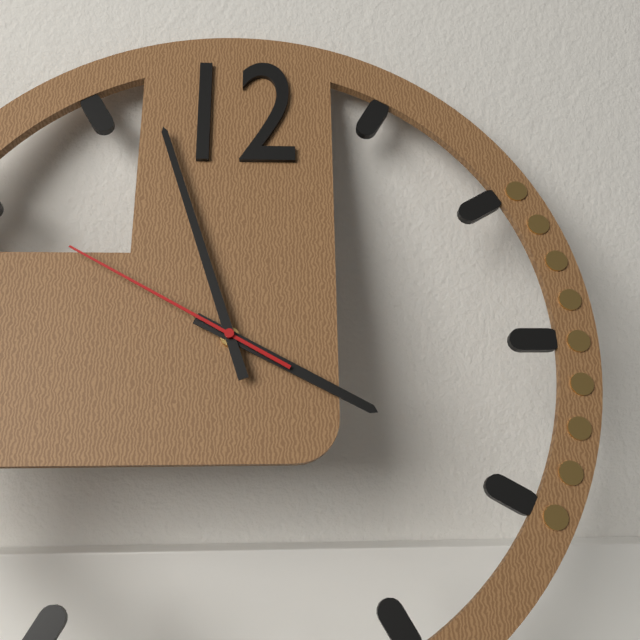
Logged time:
3h57m50s
